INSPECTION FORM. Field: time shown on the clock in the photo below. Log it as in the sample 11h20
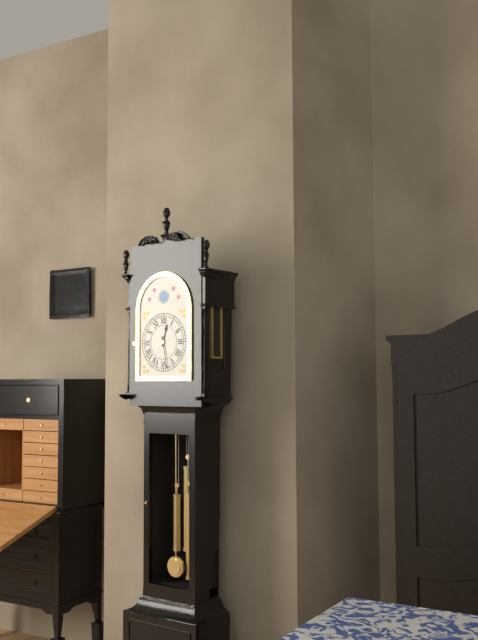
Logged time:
12h28
